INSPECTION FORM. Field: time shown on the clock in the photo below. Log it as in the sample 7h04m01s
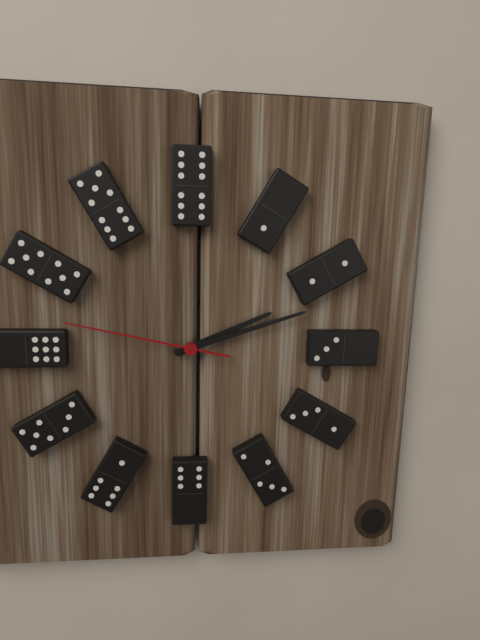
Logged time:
2h12m47s
